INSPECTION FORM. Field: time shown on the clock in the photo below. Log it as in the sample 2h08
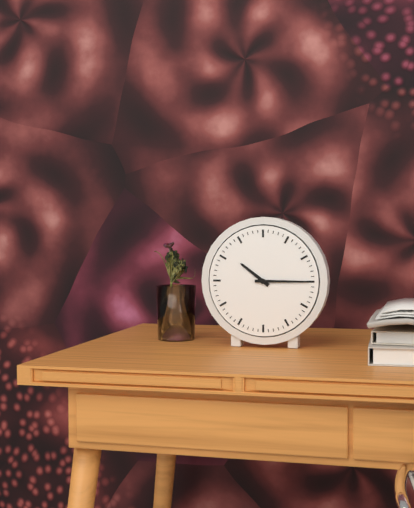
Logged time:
10h15
